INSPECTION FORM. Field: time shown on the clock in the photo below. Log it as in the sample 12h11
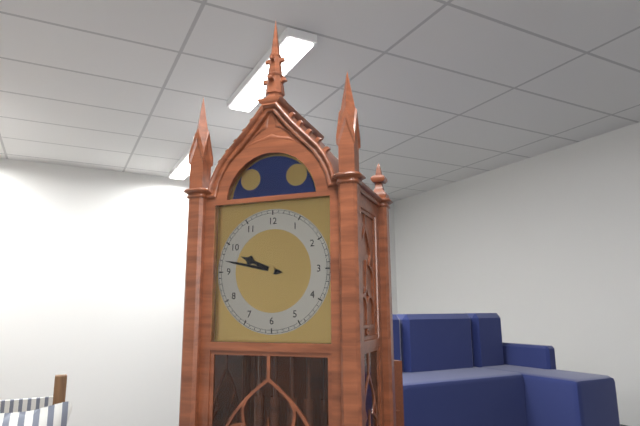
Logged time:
9h47
